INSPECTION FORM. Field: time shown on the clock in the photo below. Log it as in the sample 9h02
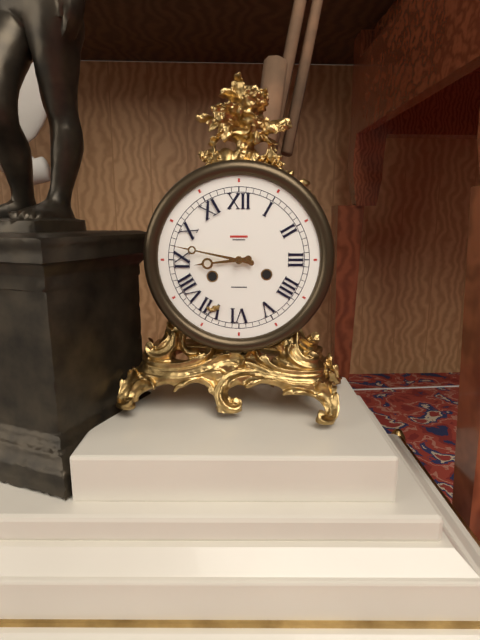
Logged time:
8h47
